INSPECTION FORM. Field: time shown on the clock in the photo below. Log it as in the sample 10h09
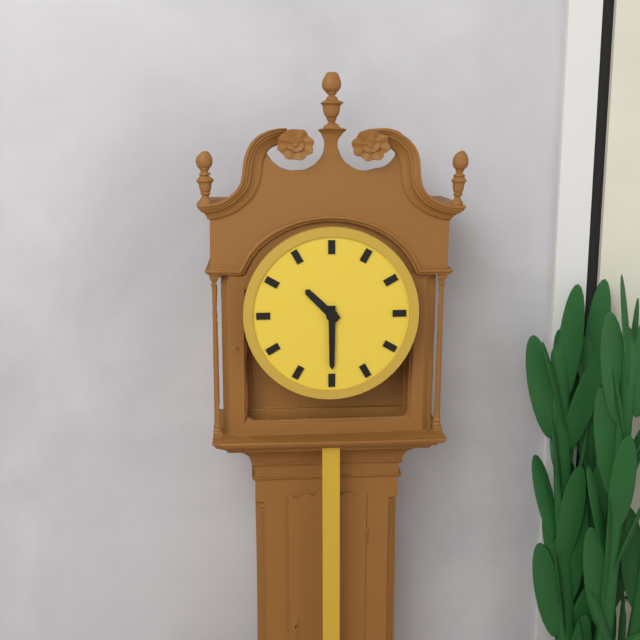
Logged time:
10h30
